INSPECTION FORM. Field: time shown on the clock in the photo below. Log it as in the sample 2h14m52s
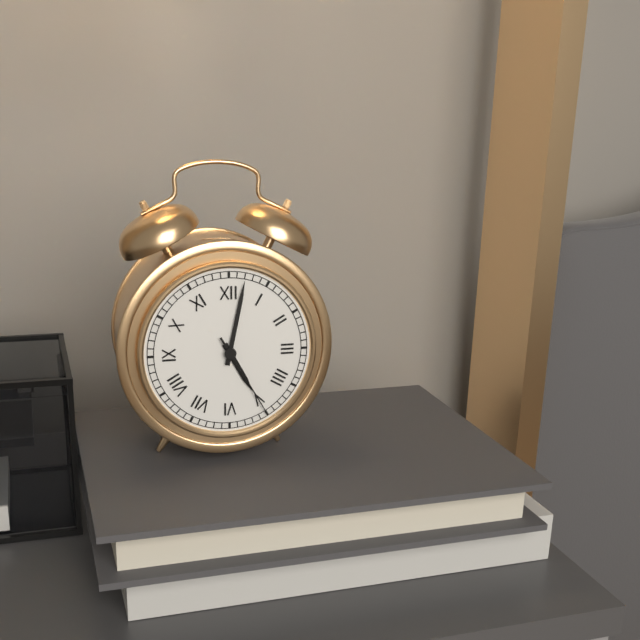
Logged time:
5h02m25s
